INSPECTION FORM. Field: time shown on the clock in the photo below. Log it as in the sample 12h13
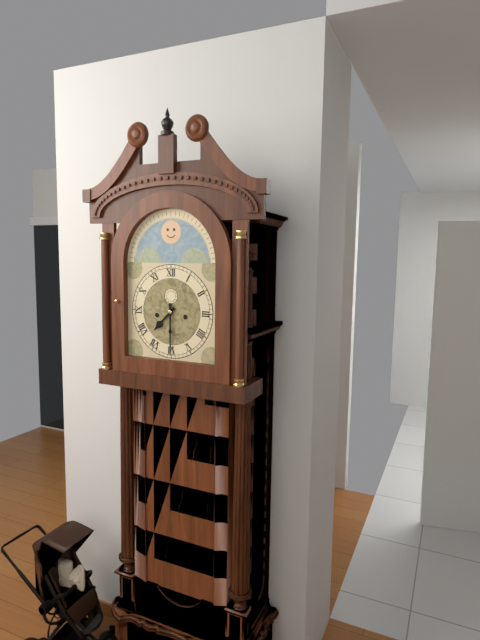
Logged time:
7h30
